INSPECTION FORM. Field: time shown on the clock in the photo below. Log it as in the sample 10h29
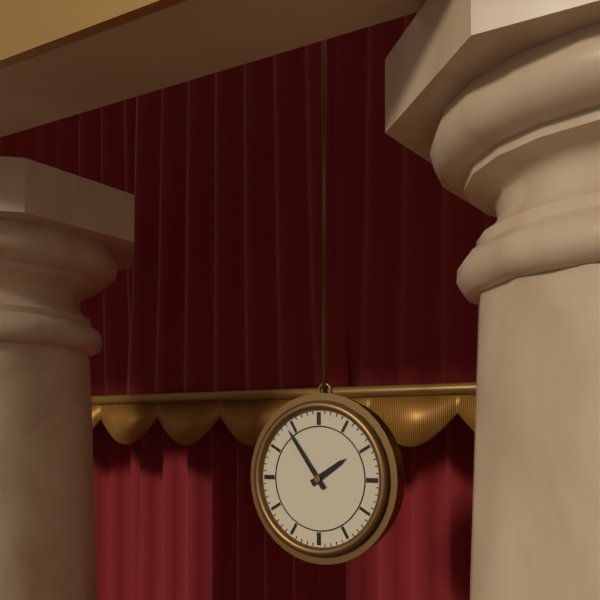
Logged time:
1h54
